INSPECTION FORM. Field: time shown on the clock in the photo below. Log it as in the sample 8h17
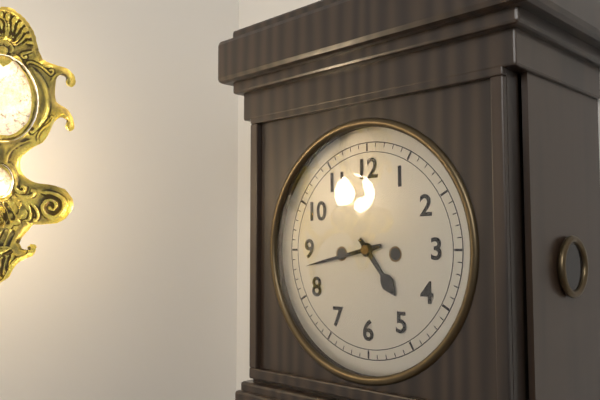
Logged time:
4h43
